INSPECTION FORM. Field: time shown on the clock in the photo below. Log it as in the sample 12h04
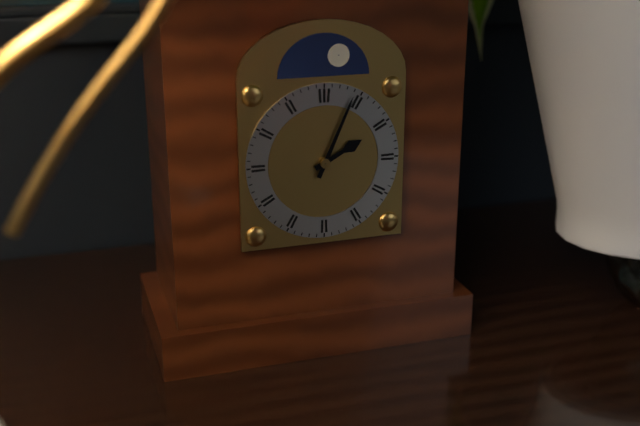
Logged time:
2h04
